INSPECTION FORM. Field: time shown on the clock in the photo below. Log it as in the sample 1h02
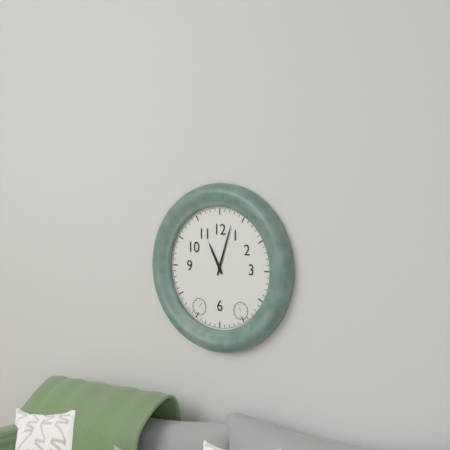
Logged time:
11h03
